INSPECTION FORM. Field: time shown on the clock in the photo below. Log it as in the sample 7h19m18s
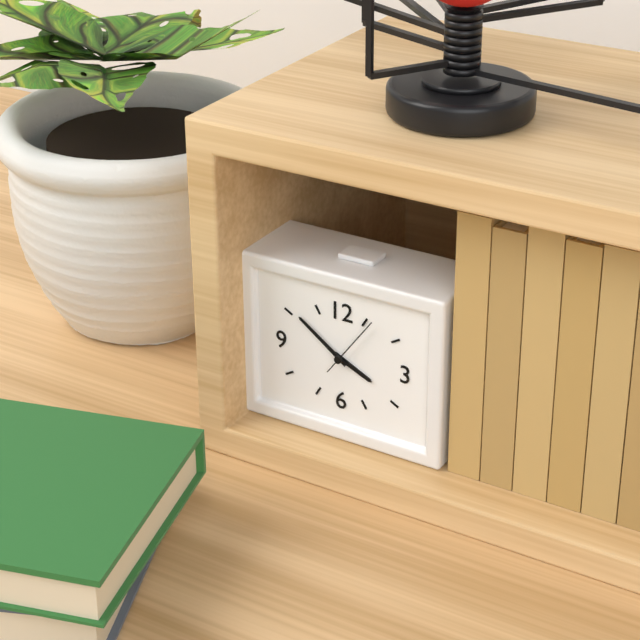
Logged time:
3h51m06s
